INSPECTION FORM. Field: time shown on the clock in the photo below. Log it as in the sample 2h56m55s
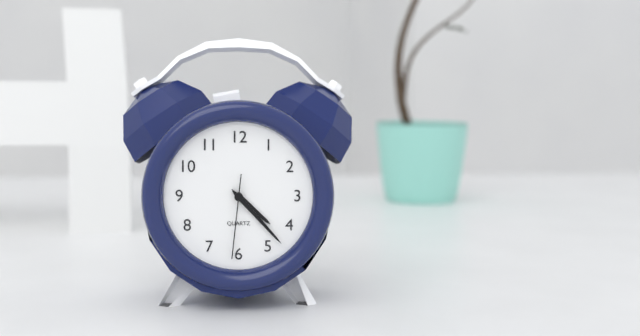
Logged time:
4h23m31s
